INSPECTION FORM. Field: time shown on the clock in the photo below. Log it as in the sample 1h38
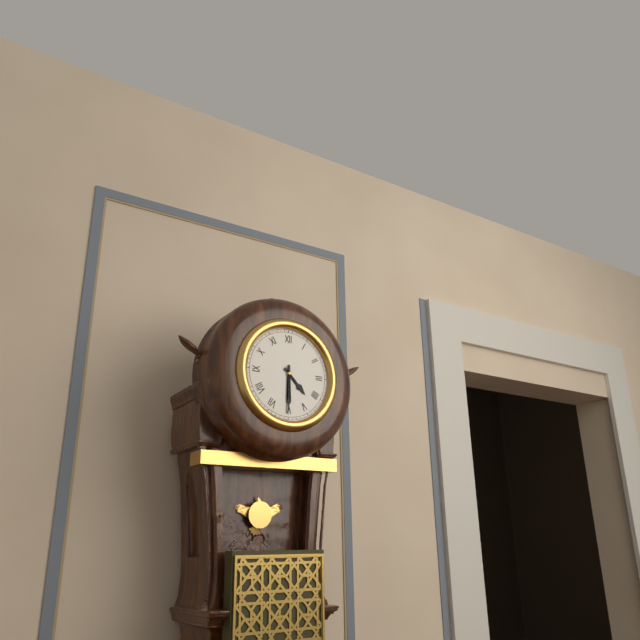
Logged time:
4h30
